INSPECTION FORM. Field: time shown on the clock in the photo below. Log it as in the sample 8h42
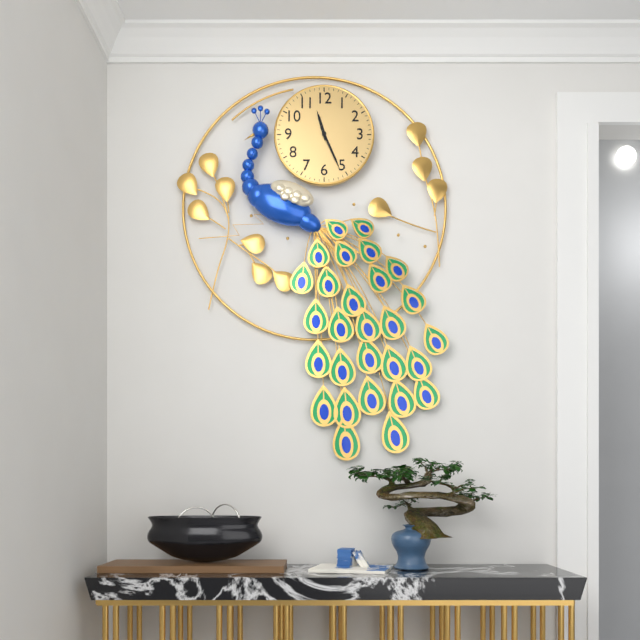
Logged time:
11h26
